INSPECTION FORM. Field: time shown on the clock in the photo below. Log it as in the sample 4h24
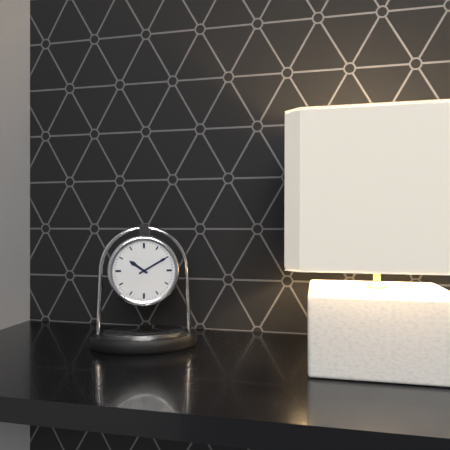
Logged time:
10h10
